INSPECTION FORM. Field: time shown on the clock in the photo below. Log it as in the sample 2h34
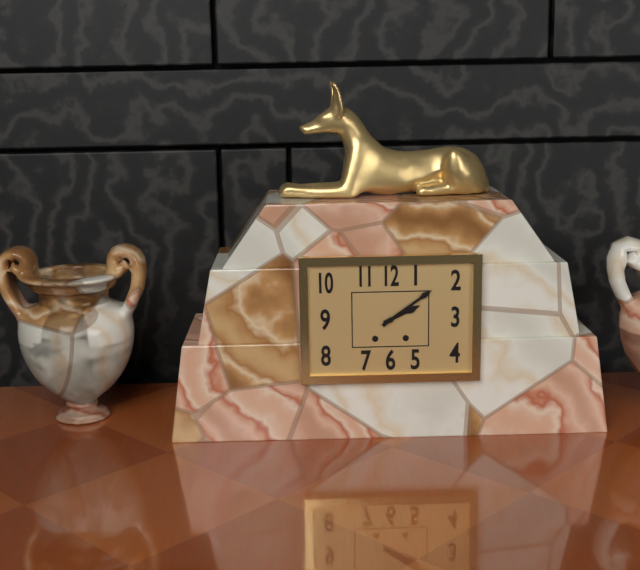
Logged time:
2h09
